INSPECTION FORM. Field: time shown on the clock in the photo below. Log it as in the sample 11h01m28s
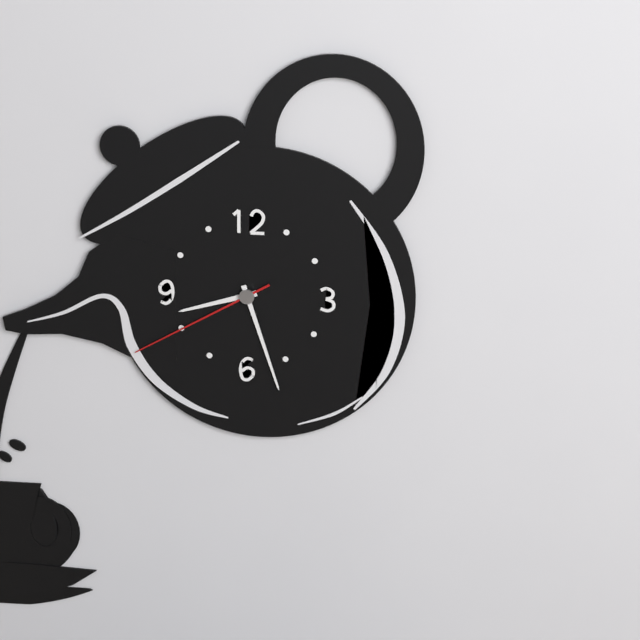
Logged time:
8h27m40s
